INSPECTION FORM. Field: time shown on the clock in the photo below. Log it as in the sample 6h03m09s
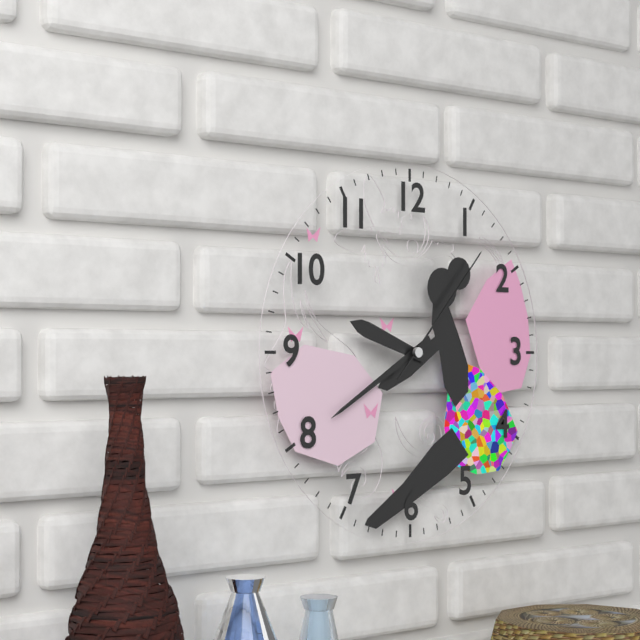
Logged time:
9h40m07s
